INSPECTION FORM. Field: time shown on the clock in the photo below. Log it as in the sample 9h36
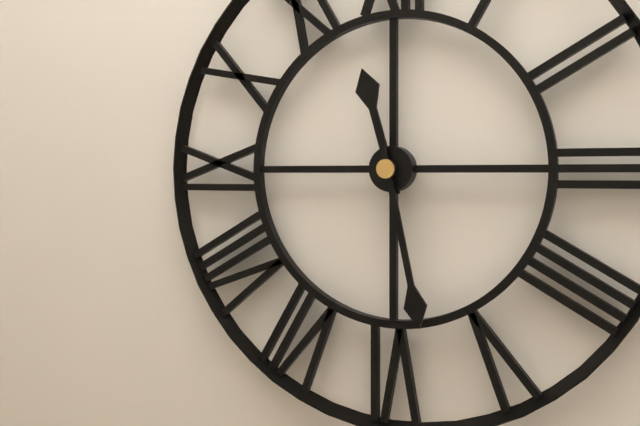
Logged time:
11h28
